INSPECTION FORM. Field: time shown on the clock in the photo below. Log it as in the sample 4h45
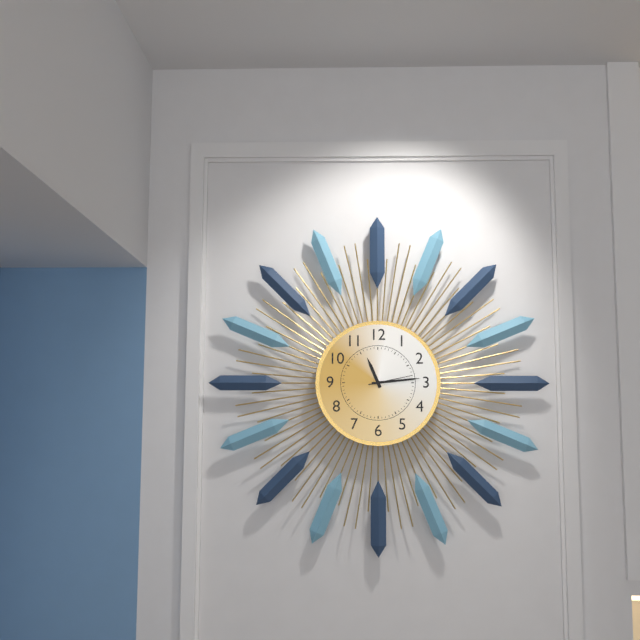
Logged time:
11h14
